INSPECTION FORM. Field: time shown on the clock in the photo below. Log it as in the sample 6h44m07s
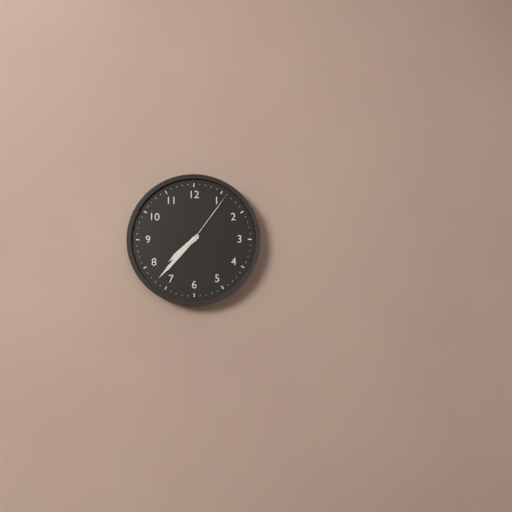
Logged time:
7h37m06s
